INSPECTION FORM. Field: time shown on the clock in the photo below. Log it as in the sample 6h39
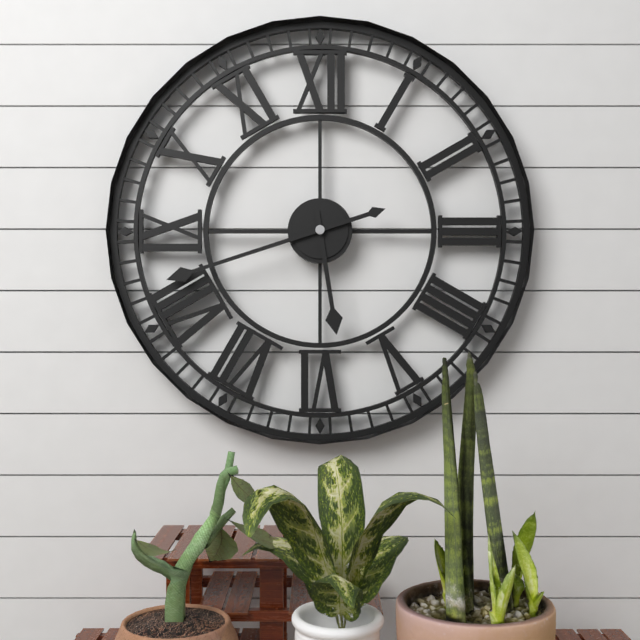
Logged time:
5h42
